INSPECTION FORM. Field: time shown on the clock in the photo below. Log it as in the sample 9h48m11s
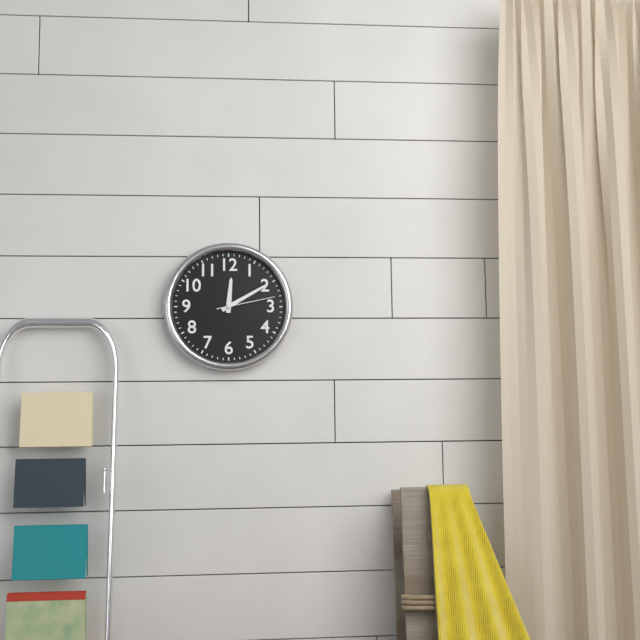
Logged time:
12h10m13s
